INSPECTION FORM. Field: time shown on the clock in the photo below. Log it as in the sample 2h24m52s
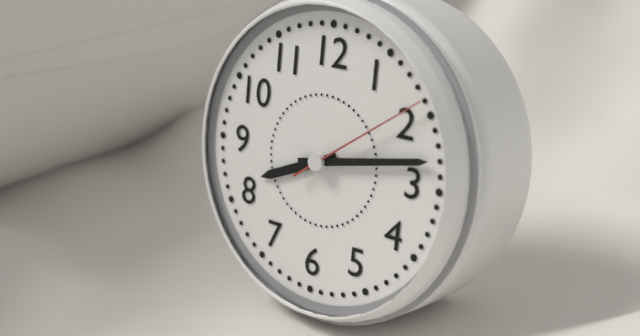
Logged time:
8h13m09s
